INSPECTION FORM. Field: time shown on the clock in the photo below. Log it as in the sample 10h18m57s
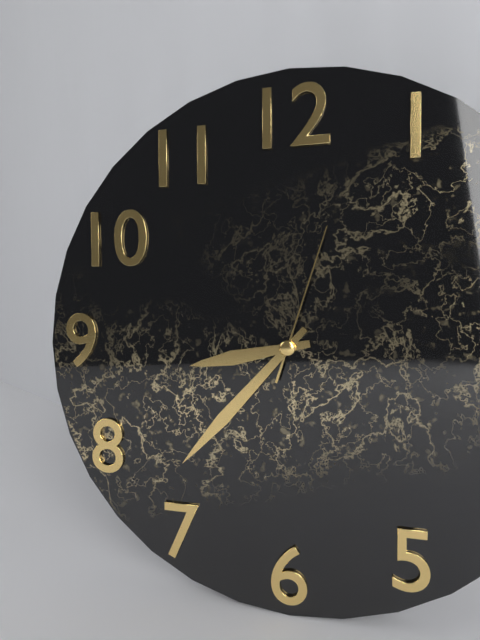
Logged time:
8h37m03s
